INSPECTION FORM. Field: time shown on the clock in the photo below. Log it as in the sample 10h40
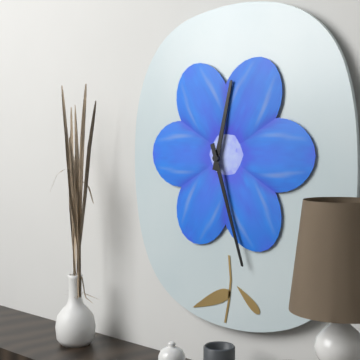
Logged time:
12h27
